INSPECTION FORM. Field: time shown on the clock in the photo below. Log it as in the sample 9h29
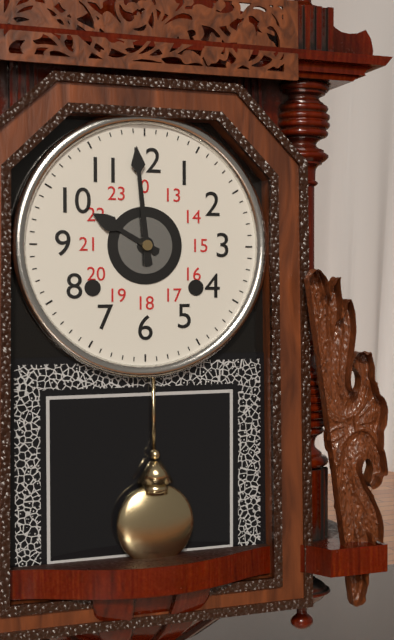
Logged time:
9h59
